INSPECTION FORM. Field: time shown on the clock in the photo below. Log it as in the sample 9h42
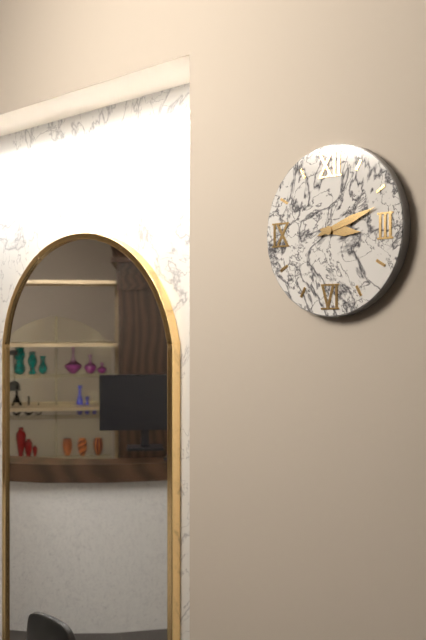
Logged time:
3h12
